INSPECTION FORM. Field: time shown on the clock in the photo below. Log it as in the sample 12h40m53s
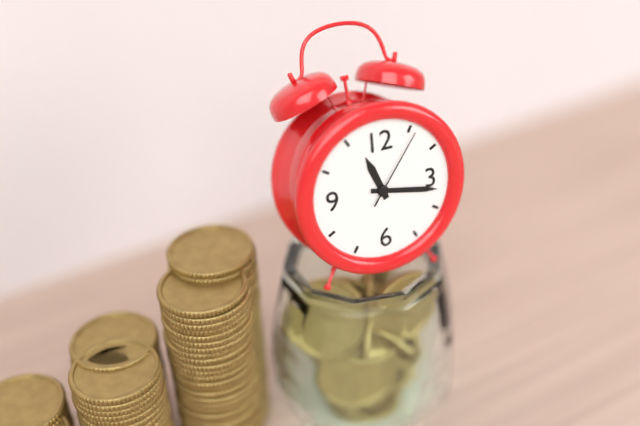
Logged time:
11h17m06s
